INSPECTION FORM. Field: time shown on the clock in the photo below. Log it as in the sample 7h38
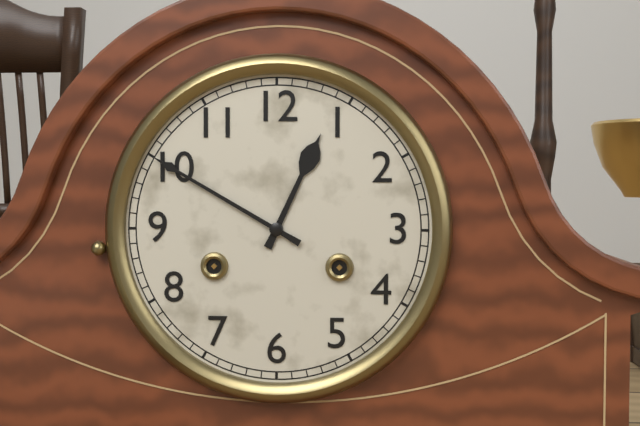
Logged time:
12h50
